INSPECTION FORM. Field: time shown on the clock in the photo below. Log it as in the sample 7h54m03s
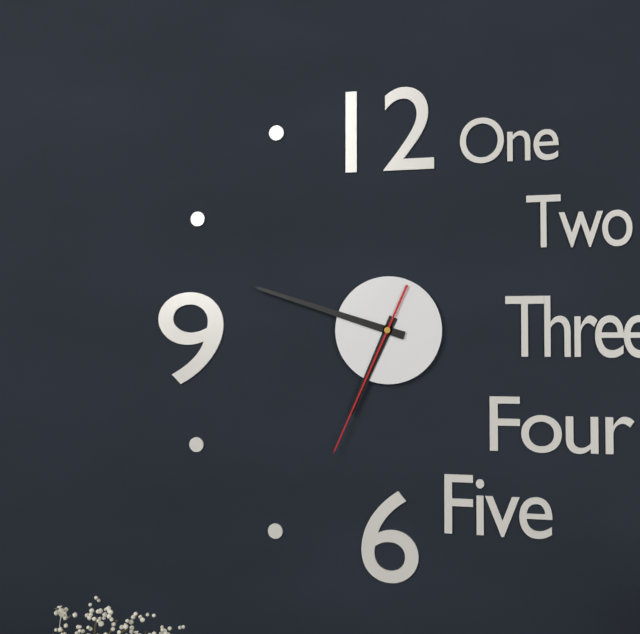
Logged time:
6h48m34s
